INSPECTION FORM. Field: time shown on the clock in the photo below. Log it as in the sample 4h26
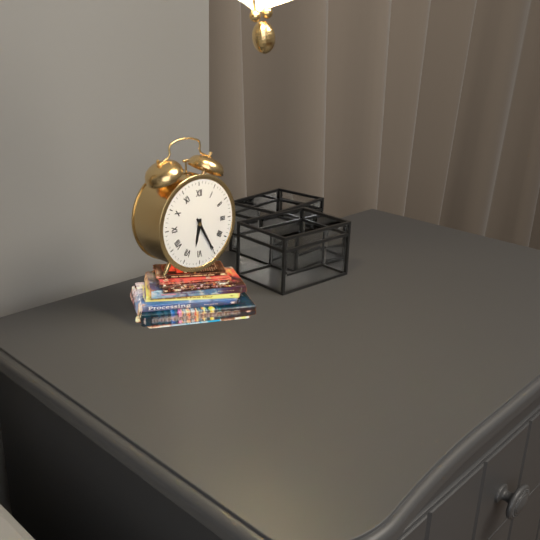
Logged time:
6h25
